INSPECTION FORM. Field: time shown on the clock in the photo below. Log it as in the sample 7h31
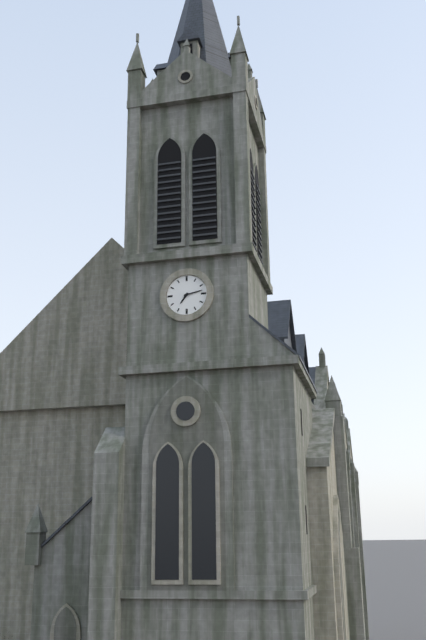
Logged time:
7h13
